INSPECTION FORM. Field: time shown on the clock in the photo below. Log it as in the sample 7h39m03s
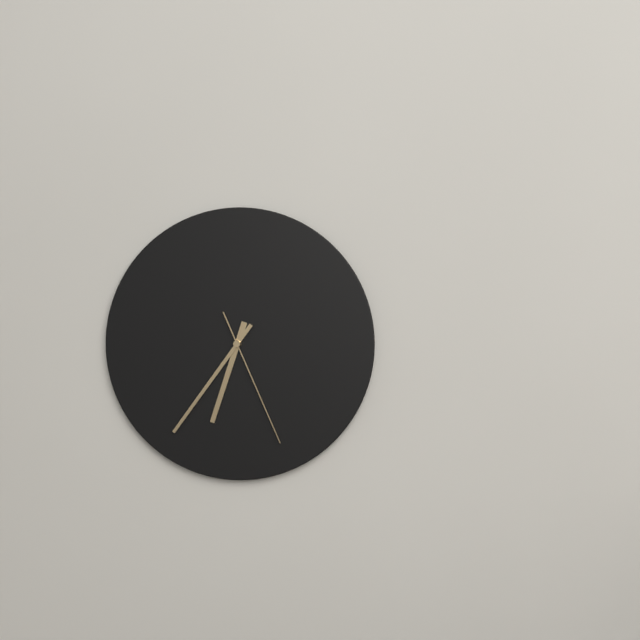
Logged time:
6h36m26s
